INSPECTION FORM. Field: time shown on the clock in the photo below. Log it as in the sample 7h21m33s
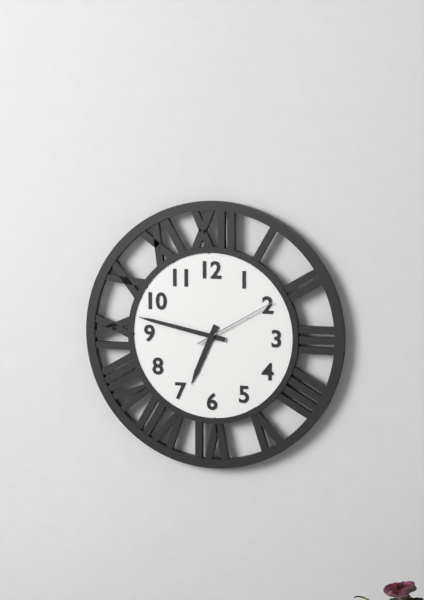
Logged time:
6h47m10s
